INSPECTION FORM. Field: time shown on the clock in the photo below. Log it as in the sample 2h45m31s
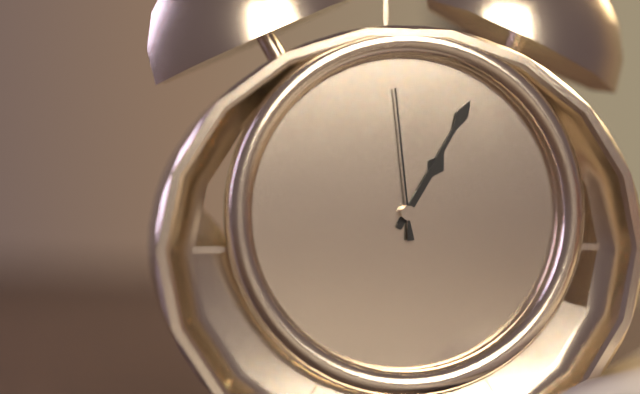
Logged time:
1h05m59s
